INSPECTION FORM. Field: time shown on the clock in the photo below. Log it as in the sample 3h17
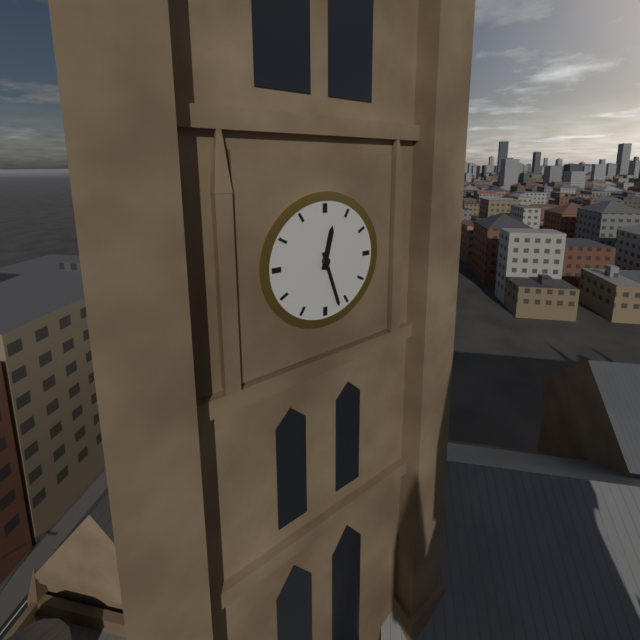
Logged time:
12h27
